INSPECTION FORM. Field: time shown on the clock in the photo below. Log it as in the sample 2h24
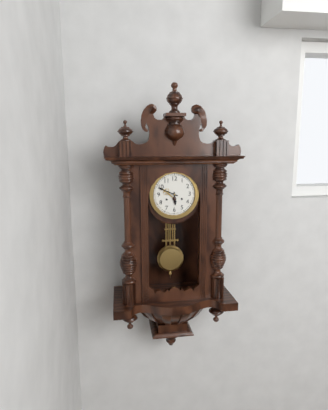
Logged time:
5h49
